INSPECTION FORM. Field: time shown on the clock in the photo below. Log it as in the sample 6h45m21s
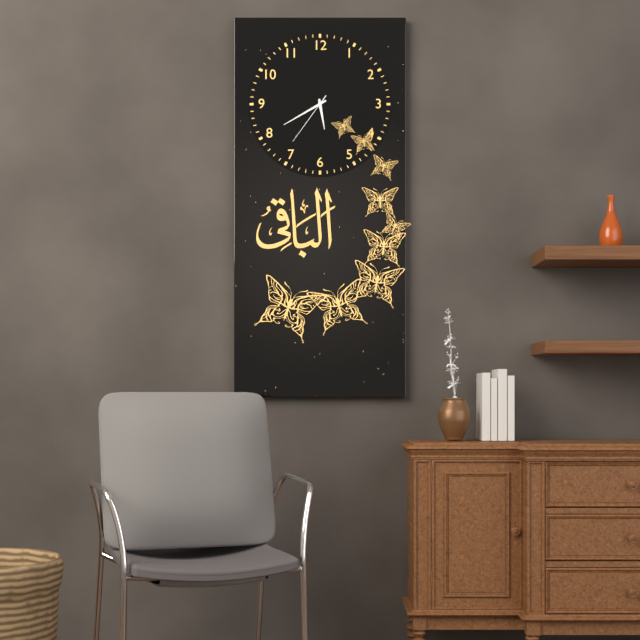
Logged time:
5h40m36s
